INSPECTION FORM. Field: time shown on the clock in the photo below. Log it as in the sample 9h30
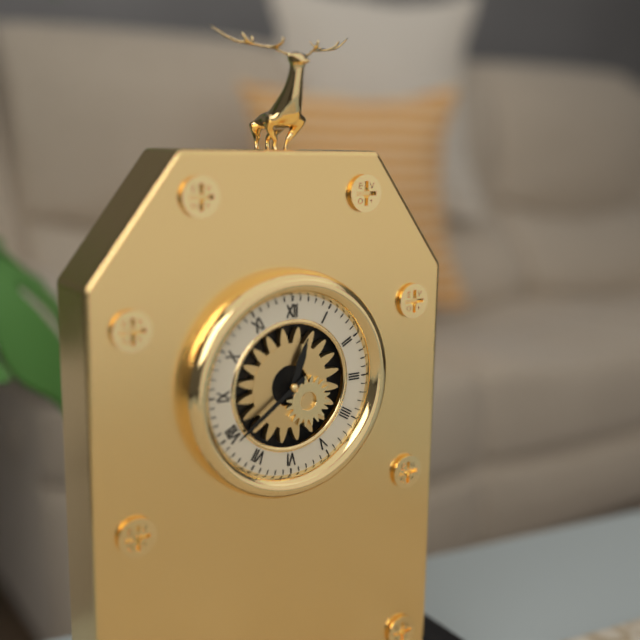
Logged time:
12h39
